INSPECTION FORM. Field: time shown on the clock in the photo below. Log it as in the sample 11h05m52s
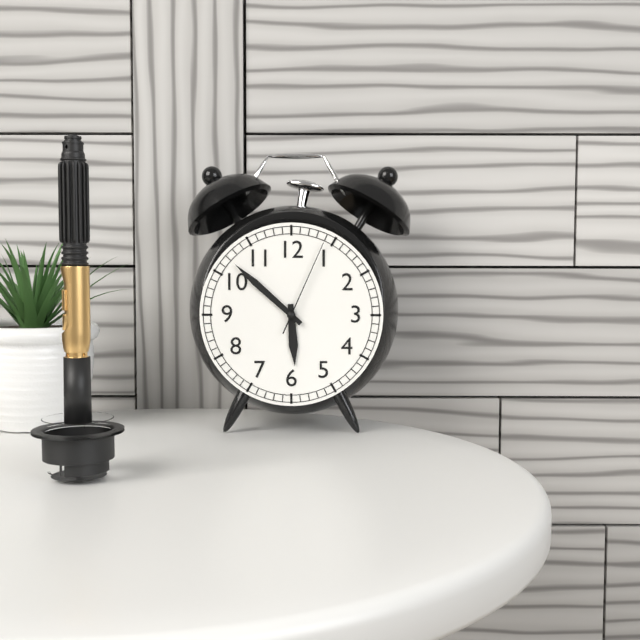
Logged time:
5h52m04s
